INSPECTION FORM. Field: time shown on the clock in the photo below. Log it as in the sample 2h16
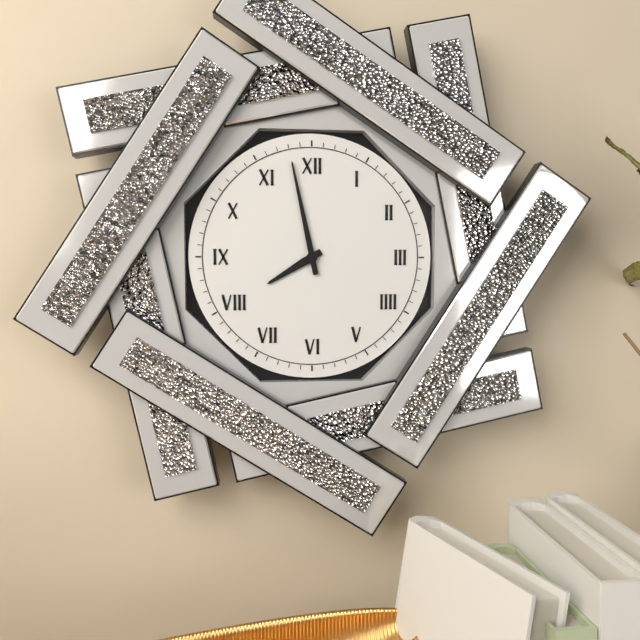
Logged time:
7h58
